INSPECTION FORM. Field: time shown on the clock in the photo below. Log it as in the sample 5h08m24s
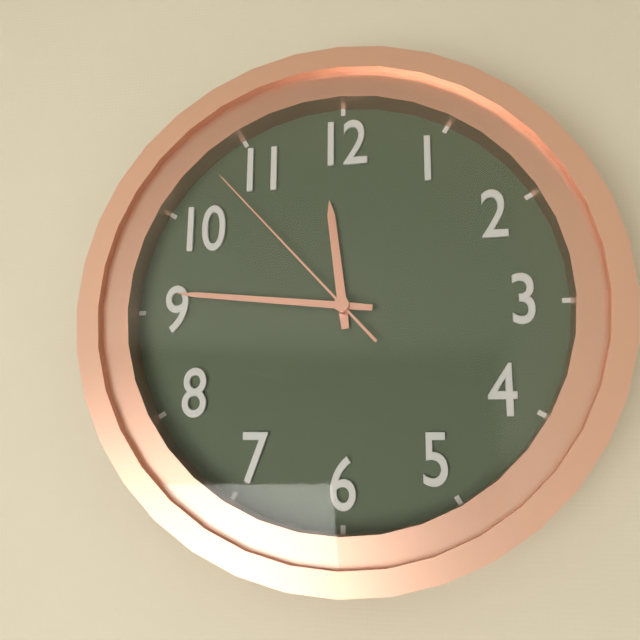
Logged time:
11h46m53s
